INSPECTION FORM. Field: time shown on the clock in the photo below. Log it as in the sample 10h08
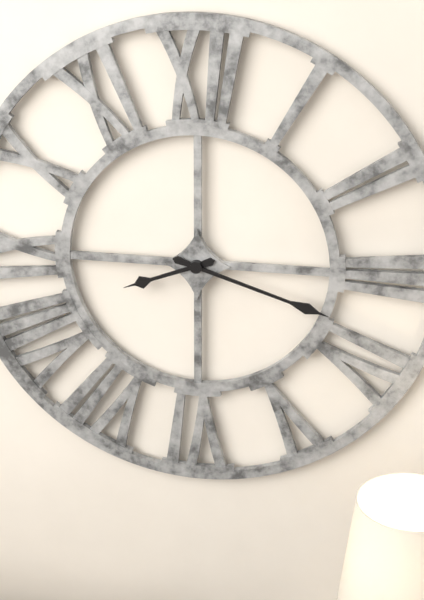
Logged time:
8h18
